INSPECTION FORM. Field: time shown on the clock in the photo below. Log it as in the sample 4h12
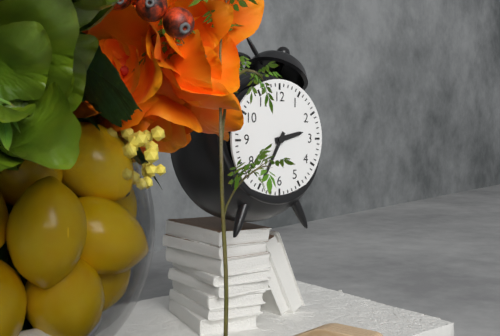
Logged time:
2h35
